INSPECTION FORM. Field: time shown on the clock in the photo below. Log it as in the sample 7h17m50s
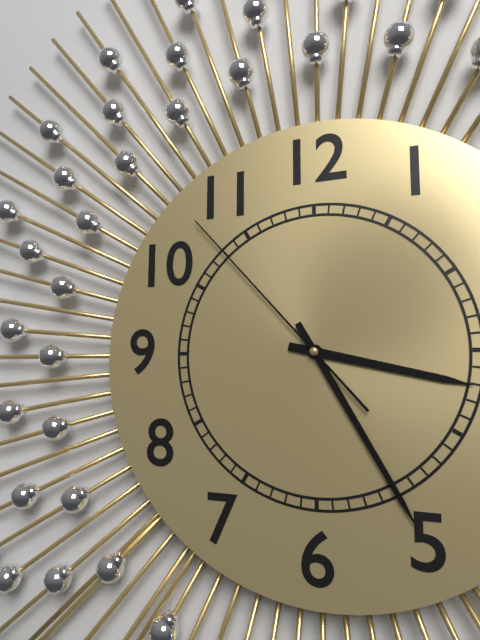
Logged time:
3h25m53s
